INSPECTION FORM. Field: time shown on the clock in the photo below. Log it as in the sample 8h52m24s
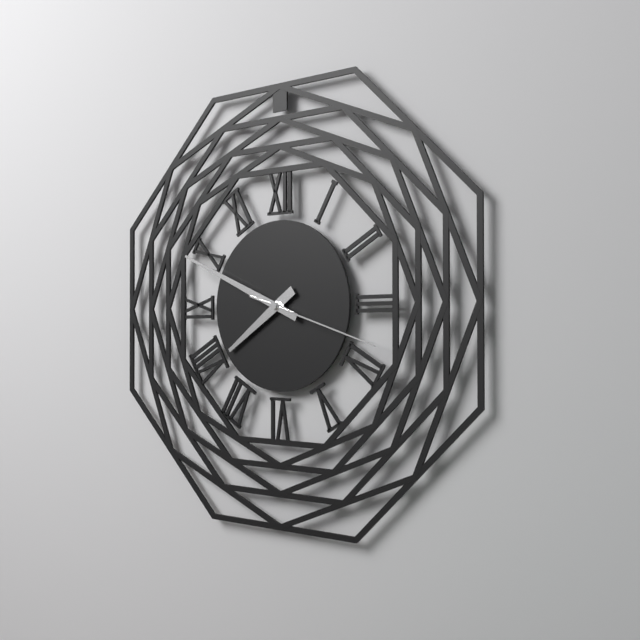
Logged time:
7h49m18s
